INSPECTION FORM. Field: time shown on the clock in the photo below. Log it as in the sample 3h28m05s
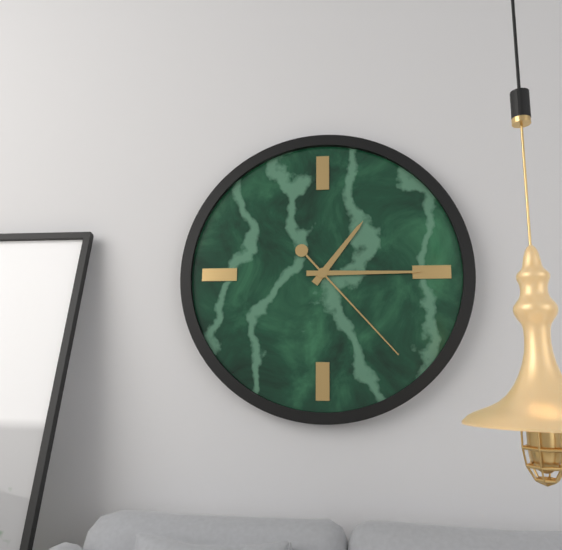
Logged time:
1h15m23s
